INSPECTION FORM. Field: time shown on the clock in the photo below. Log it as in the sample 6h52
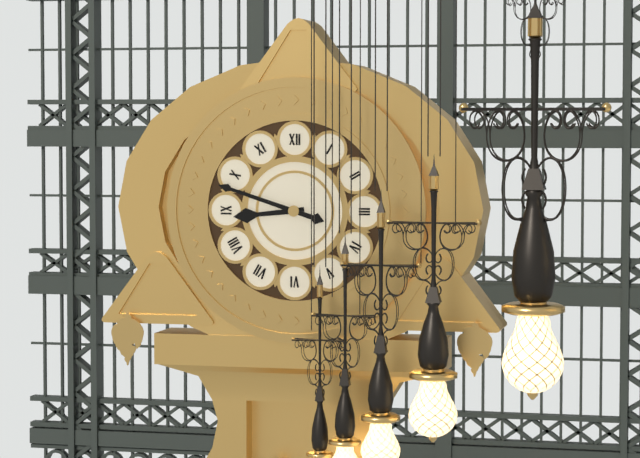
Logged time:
8h48
